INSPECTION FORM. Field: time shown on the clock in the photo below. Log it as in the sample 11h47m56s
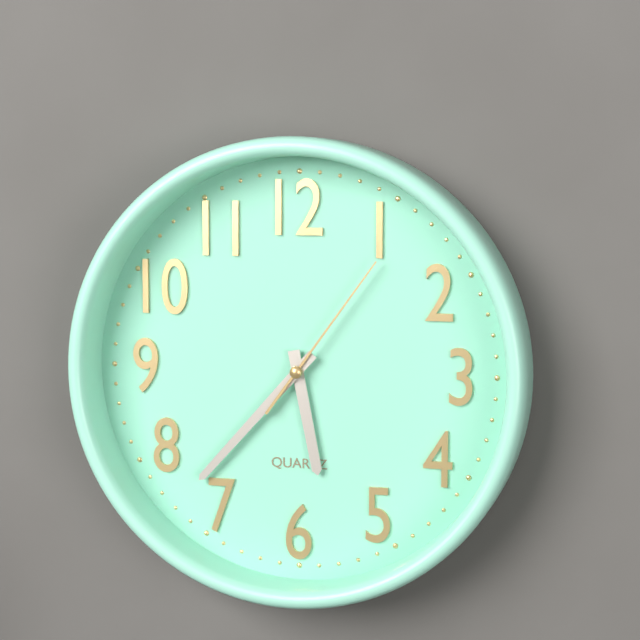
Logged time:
5h37m06s
